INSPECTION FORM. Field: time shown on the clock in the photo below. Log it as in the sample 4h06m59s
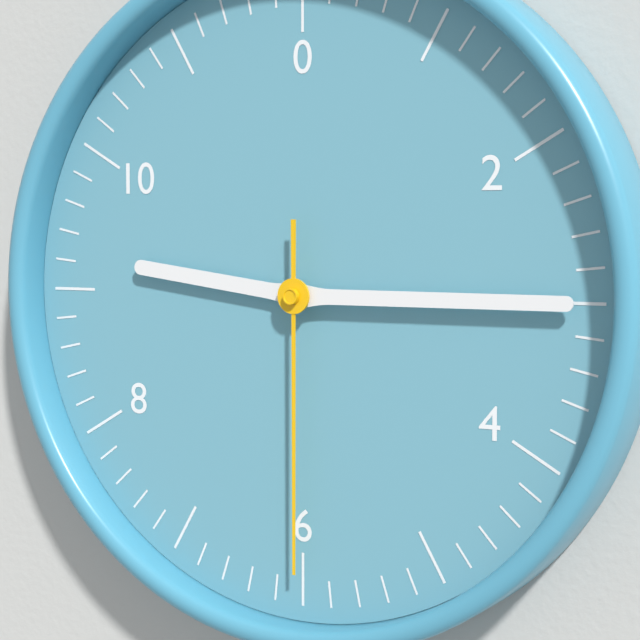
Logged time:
9h15m30s
